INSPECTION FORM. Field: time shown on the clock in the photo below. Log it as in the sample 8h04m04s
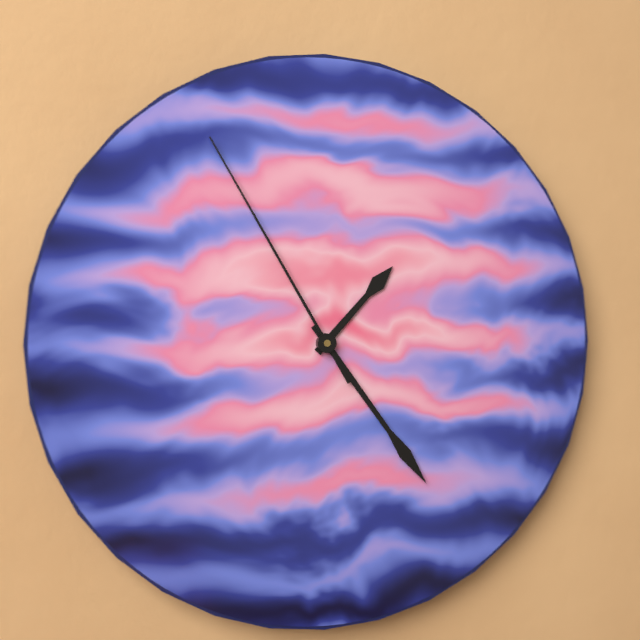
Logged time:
1h24m55s
